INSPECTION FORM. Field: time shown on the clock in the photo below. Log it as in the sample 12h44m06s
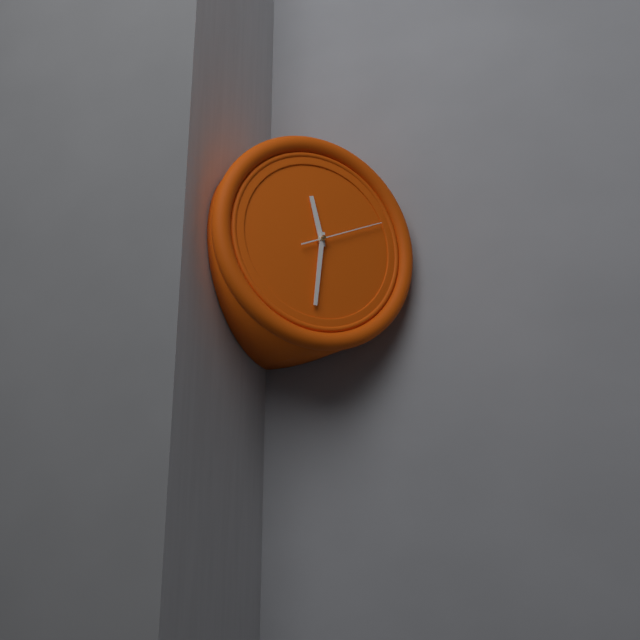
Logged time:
11h31m11s
